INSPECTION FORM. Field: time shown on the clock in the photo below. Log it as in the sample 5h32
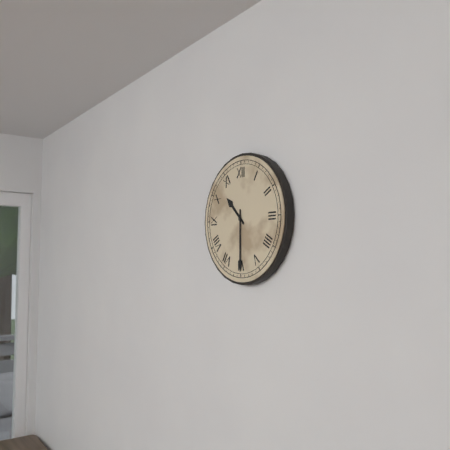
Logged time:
10h30
